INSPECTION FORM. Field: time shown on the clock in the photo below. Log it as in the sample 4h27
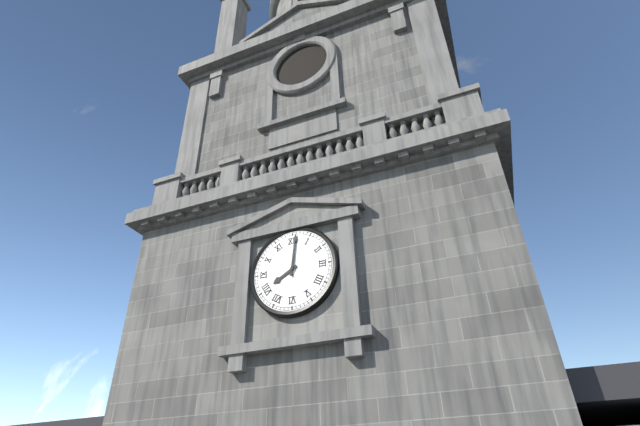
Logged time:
8h01
